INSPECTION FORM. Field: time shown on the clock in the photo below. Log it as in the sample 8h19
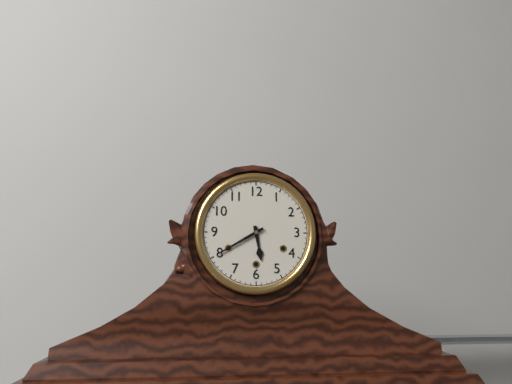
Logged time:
5h40
